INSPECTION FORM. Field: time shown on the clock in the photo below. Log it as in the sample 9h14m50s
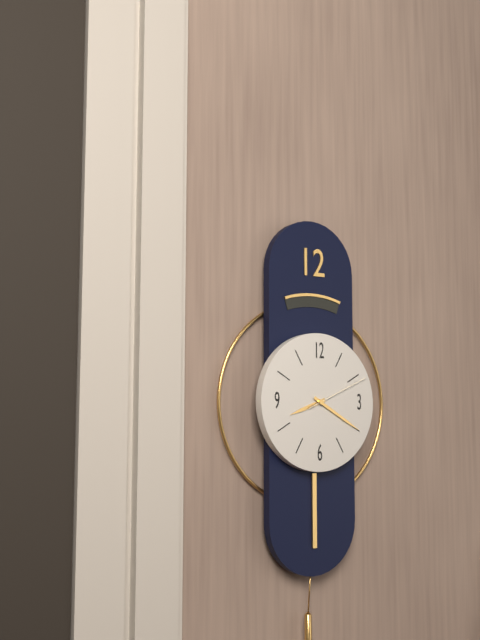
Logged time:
8h20m11s
